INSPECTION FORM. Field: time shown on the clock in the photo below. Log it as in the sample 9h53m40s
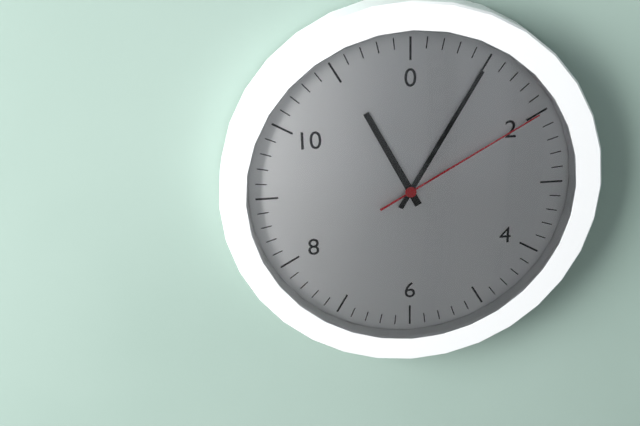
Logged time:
11h05m10s
